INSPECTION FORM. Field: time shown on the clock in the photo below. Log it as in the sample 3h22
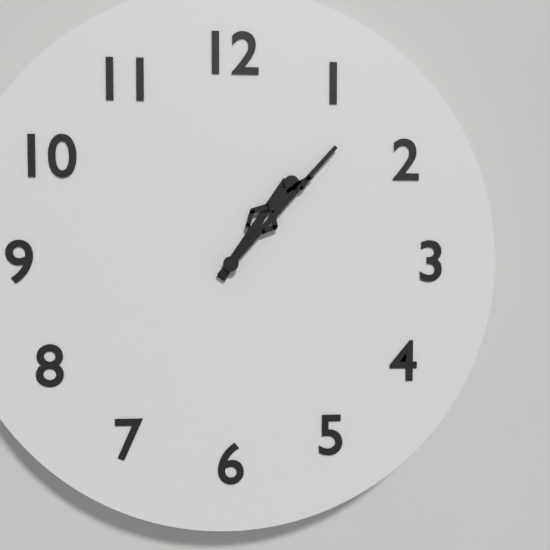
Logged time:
1h07
